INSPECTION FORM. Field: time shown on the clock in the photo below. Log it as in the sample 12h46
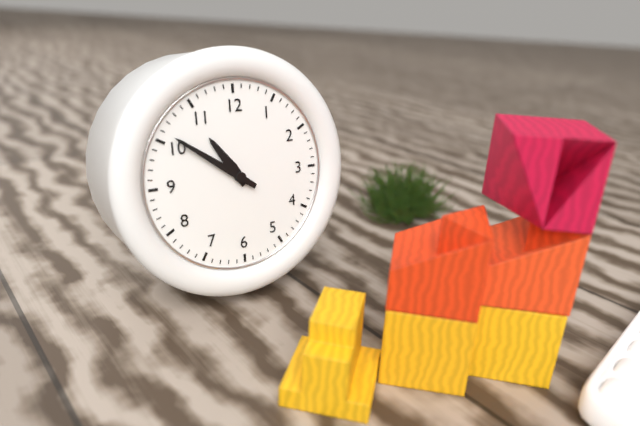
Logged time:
10h51
